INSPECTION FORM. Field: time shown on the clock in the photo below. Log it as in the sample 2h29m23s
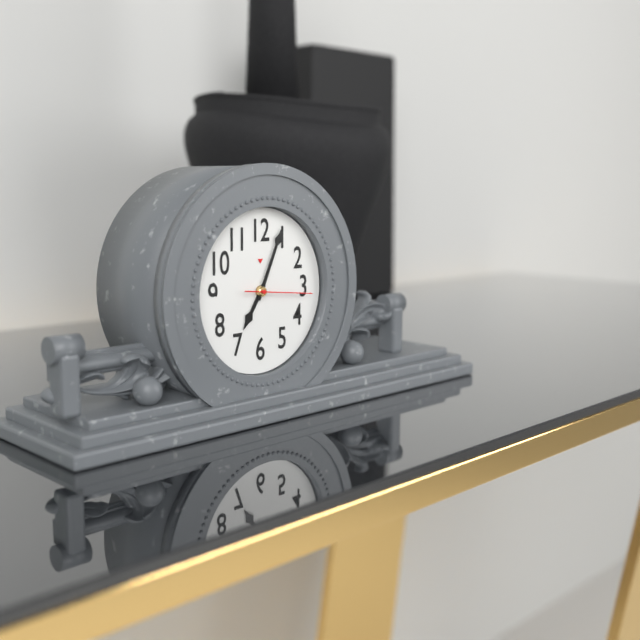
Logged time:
7h04m16s
